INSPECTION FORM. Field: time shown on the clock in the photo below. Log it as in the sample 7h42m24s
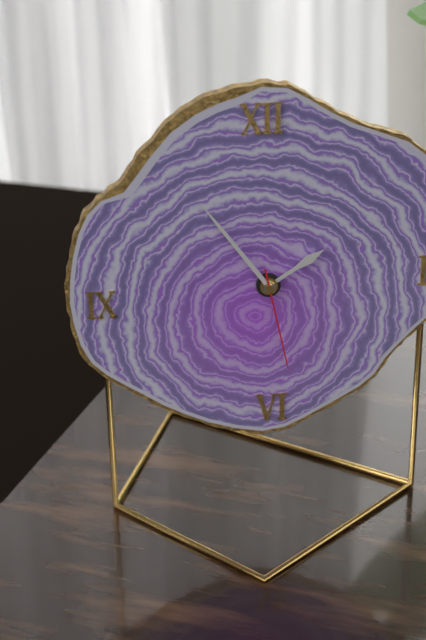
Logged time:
1h54m28s
